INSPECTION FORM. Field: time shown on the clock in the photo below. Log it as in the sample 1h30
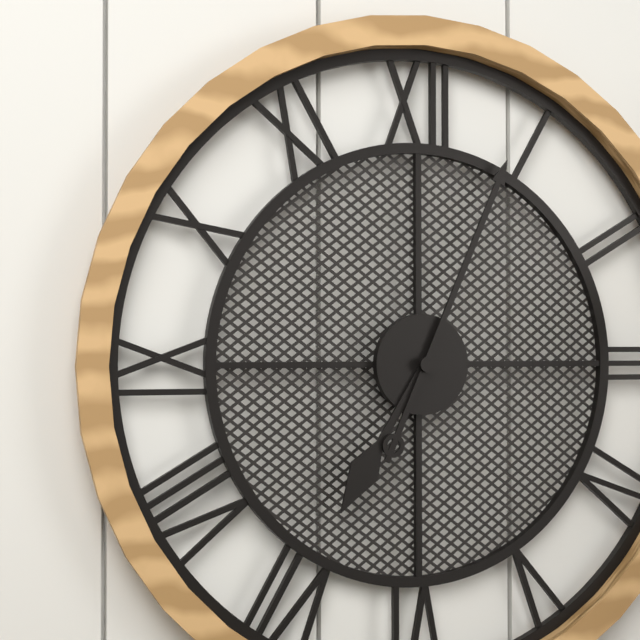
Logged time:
7h04
